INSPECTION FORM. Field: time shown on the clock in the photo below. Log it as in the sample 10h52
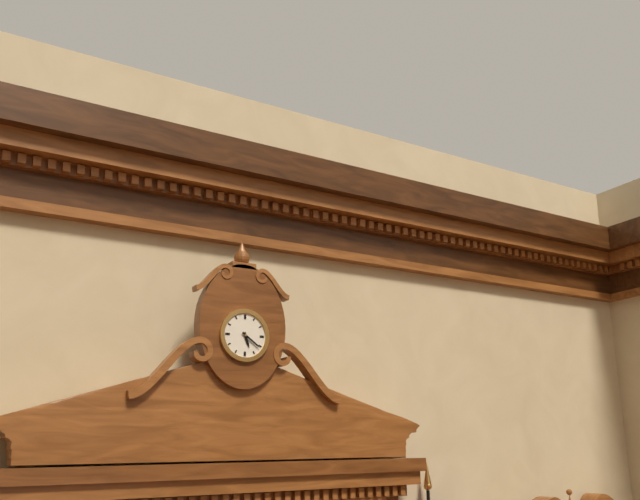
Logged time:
5h21
